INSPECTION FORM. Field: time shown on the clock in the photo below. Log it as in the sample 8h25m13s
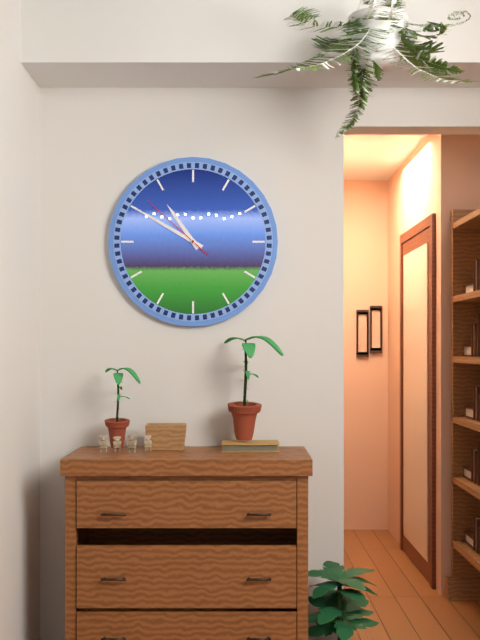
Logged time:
10h50m52s
